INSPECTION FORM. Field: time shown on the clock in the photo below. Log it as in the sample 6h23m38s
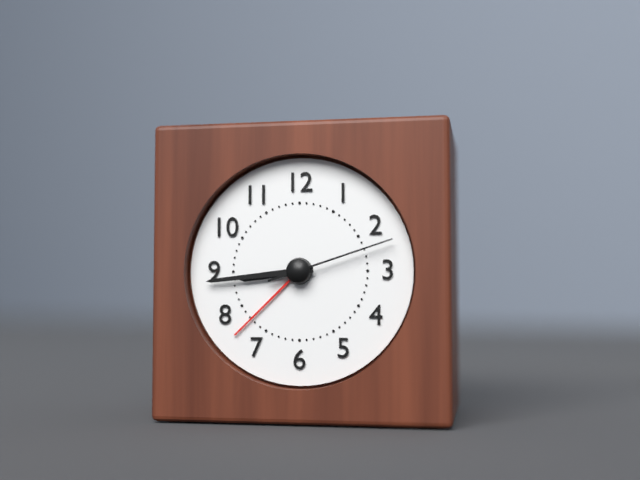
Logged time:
8h44m12s
